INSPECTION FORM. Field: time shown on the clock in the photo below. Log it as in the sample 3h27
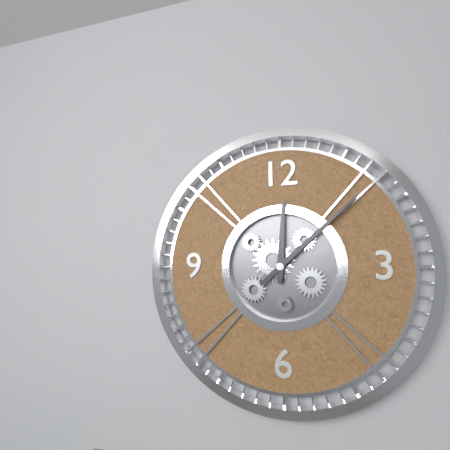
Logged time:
12h08
